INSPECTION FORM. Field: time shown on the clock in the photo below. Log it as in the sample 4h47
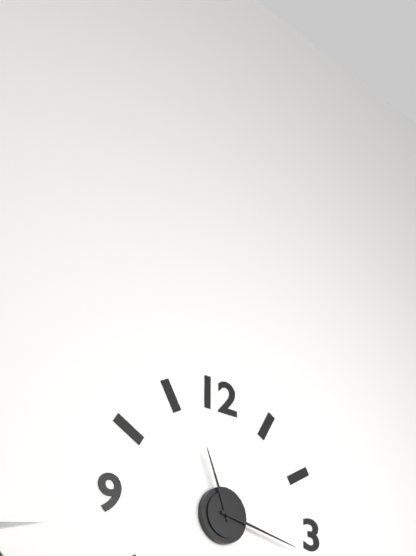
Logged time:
11h17
